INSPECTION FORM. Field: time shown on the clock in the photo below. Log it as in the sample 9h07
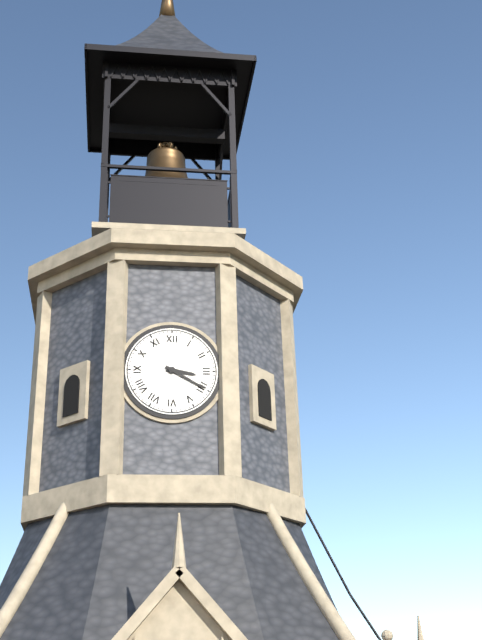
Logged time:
3h20
